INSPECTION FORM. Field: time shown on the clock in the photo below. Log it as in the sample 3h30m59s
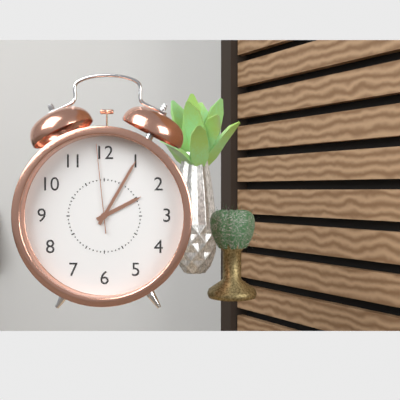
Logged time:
2h05m59s
